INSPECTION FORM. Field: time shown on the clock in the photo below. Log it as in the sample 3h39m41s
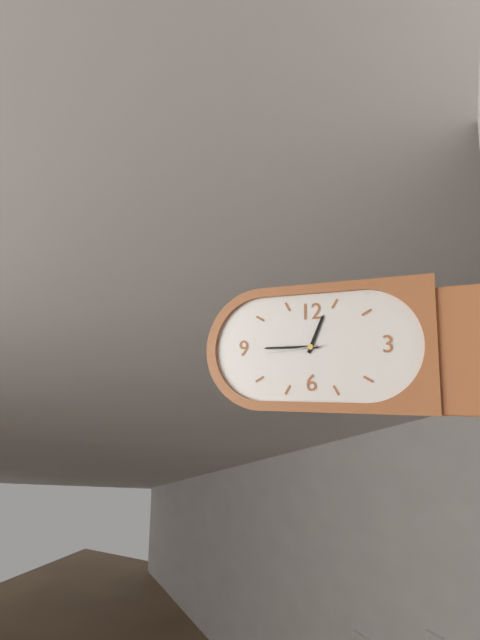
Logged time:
12h45m44s
